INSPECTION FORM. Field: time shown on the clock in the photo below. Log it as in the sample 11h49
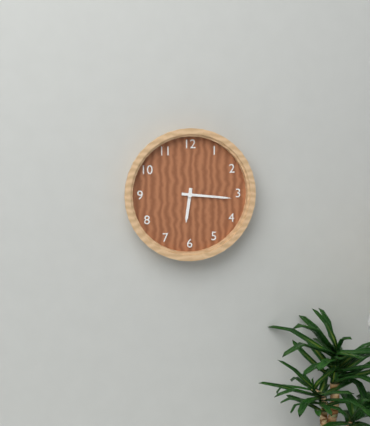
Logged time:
6h16
